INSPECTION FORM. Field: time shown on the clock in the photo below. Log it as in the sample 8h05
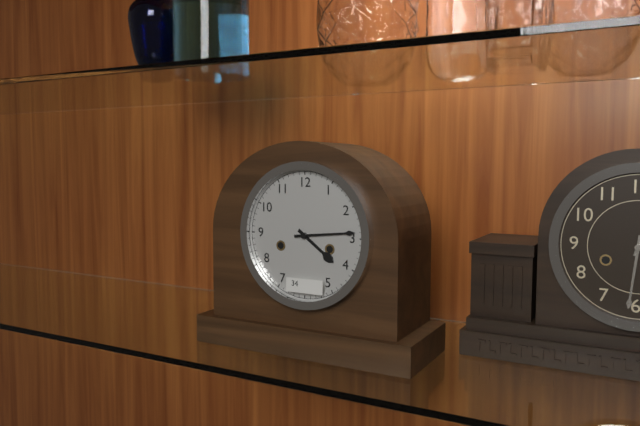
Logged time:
4h14
